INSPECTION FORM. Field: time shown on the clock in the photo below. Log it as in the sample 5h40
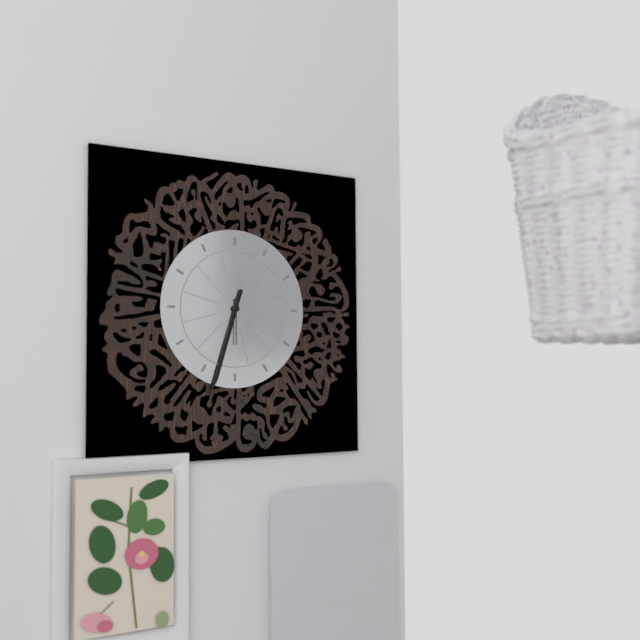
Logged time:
6h33
